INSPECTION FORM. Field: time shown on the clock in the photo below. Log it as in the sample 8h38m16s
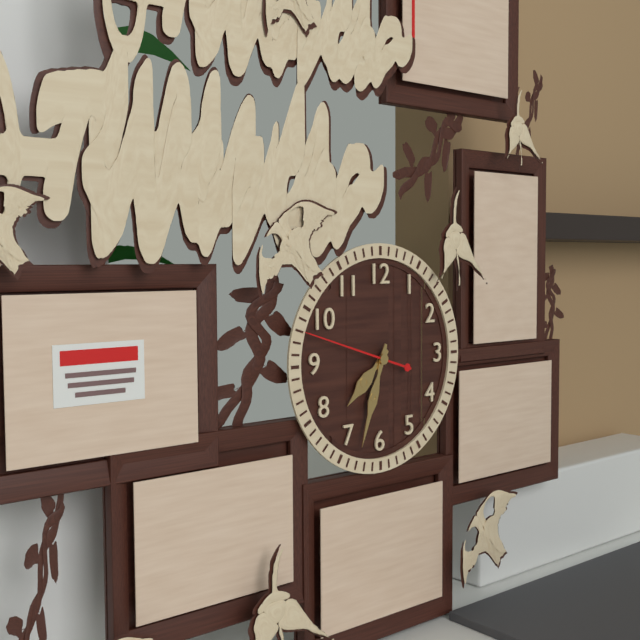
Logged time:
7h33m48s
